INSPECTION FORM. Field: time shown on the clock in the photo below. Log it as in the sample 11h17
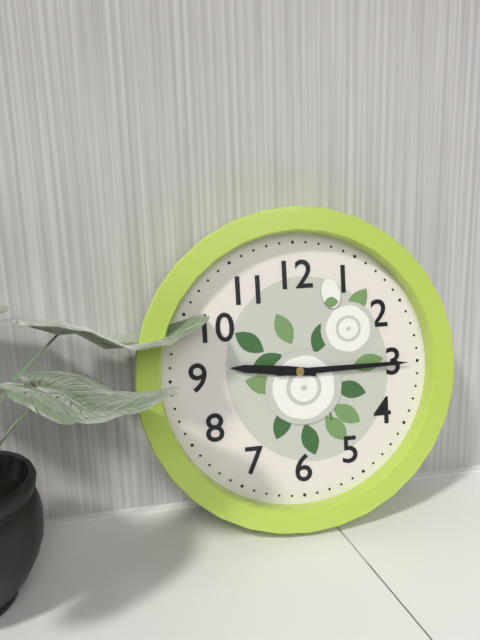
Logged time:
9h15
